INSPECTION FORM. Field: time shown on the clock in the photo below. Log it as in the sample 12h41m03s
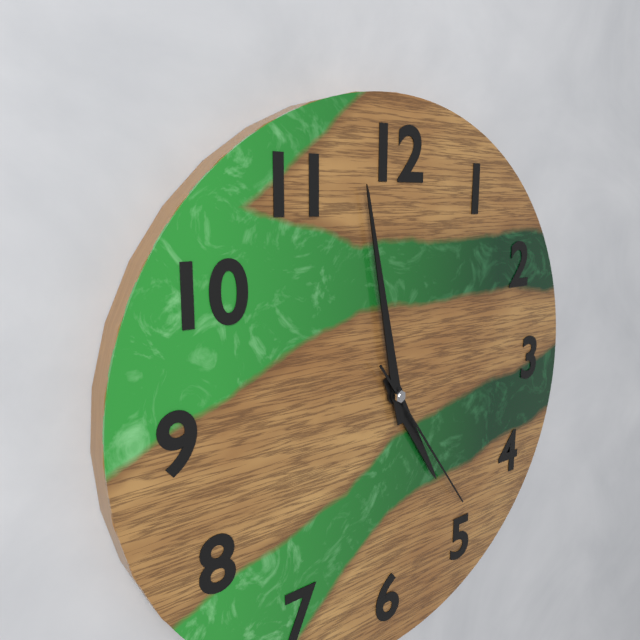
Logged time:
4h58m24s
